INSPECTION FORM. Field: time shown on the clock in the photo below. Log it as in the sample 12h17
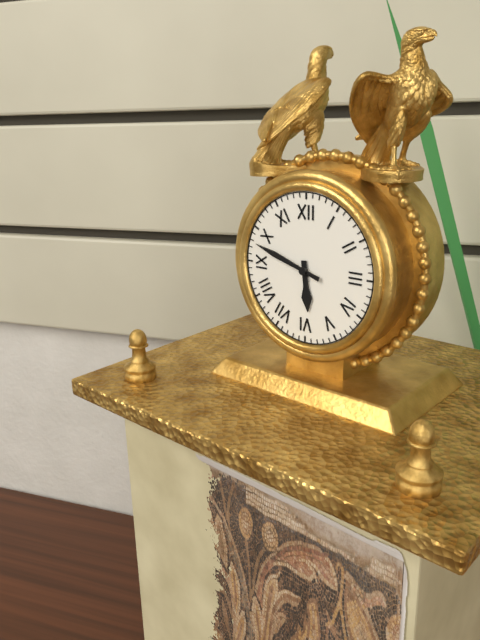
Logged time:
5h48
